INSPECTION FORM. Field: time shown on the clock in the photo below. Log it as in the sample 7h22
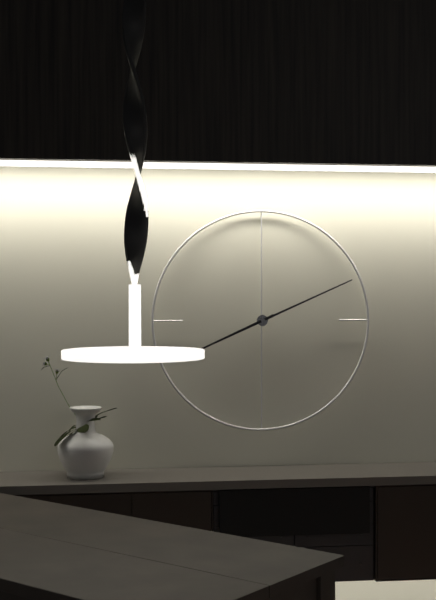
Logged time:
8h11
